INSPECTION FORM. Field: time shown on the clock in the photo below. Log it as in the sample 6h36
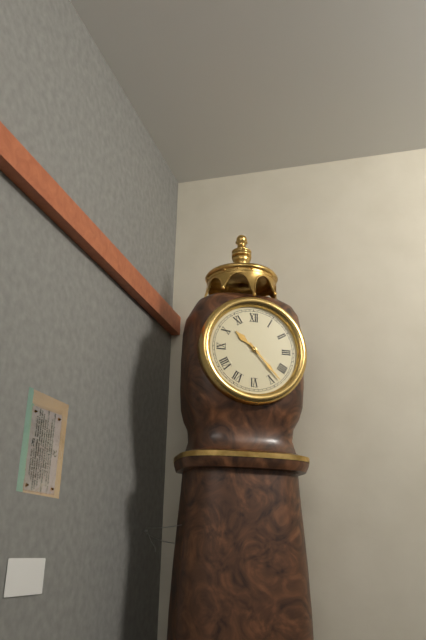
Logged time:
10h23
